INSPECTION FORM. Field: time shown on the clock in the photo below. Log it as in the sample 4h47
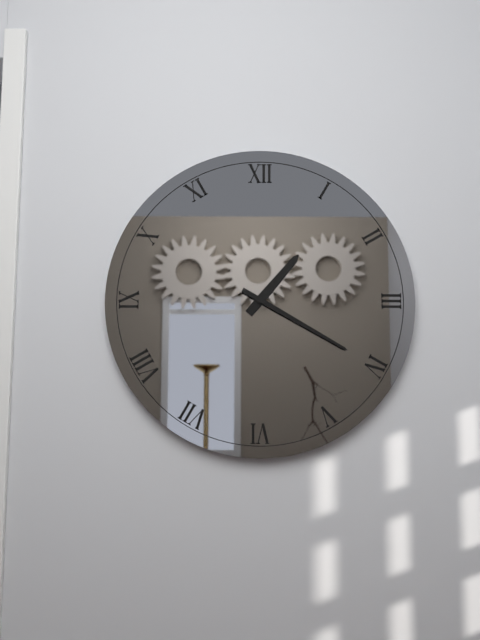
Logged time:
1h20
